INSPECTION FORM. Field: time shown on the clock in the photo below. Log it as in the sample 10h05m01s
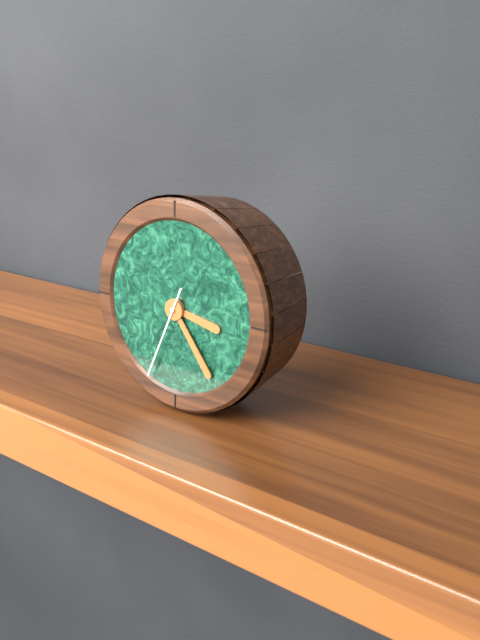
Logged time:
3h24m34s
